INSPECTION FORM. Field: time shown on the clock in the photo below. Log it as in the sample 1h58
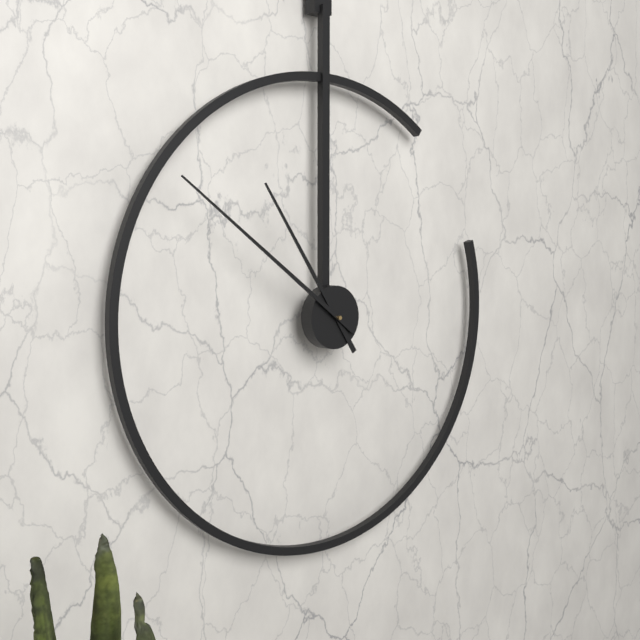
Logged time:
10h51
